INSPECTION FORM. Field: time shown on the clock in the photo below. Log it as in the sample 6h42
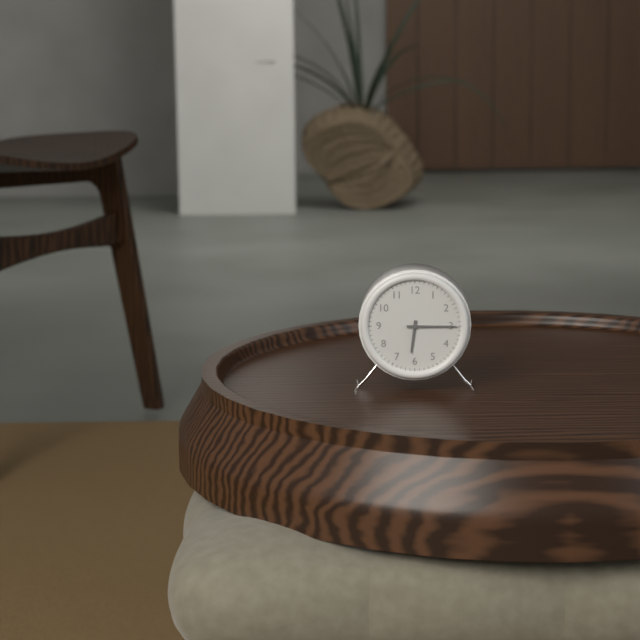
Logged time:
6h15
